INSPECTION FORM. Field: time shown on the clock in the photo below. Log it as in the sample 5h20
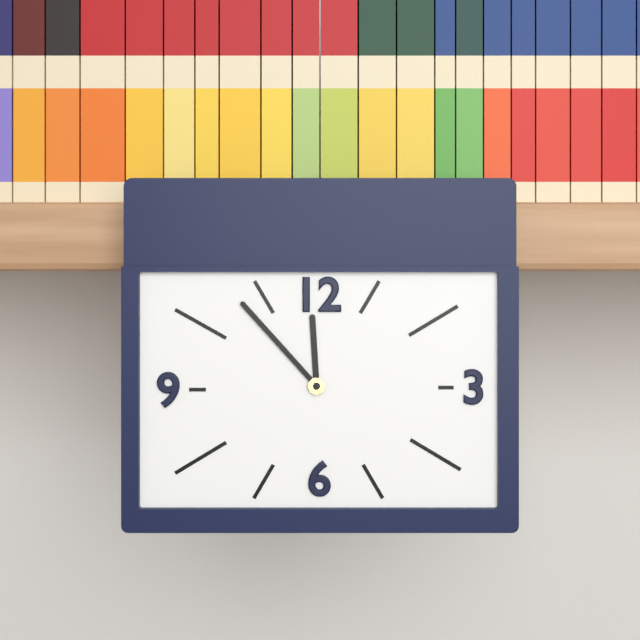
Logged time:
11h53
